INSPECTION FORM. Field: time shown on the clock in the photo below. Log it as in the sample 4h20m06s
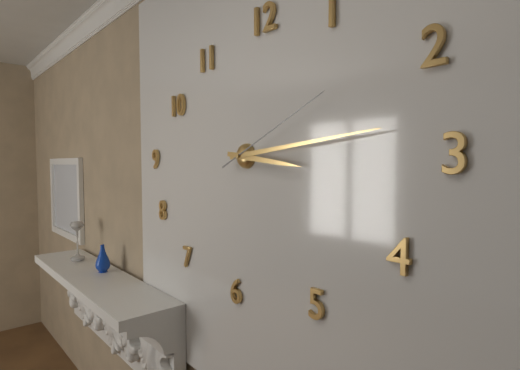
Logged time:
3h14m11s
